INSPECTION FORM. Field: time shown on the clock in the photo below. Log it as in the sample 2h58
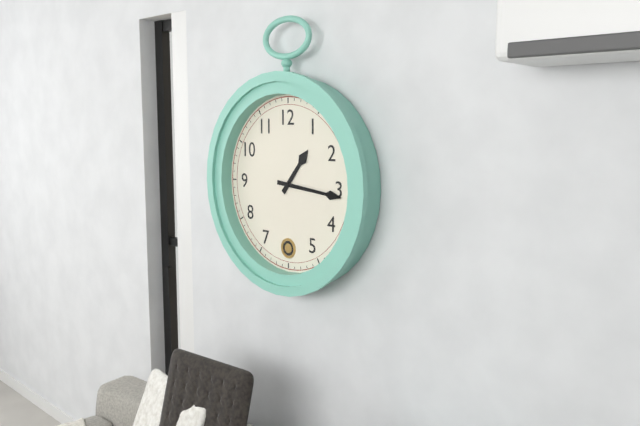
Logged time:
1h16
